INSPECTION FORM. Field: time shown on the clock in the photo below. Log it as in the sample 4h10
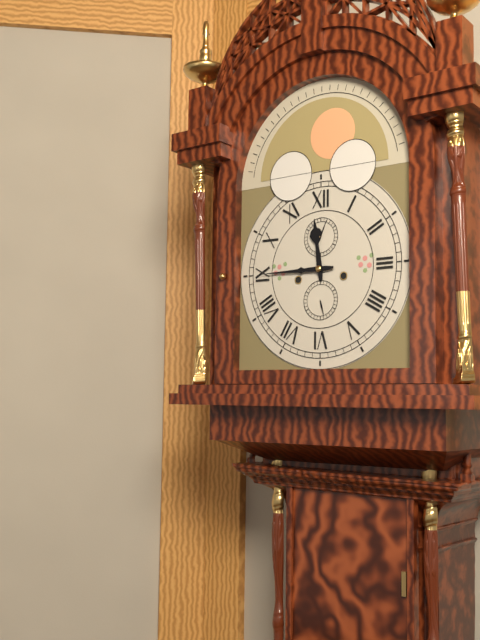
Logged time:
11h45
